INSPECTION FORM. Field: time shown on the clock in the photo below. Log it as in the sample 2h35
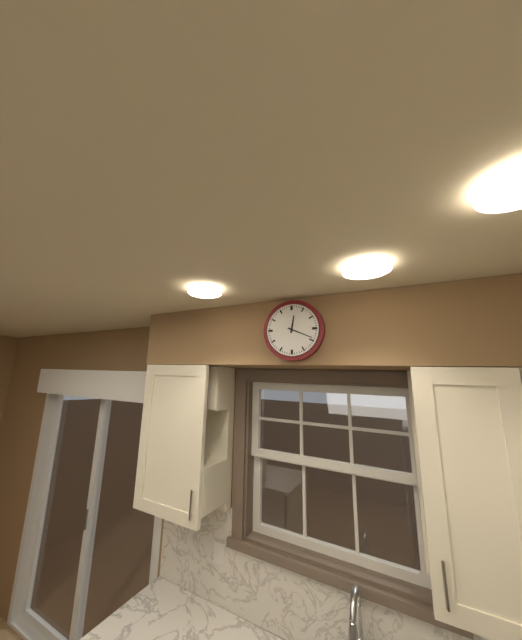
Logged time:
12h19
